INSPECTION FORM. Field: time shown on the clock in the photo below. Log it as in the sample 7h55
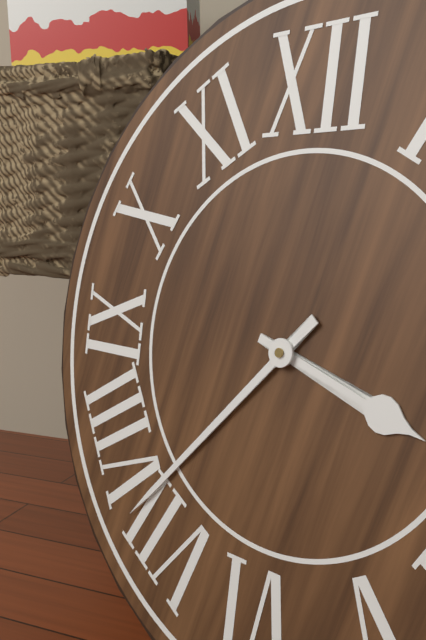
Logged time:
3h37
